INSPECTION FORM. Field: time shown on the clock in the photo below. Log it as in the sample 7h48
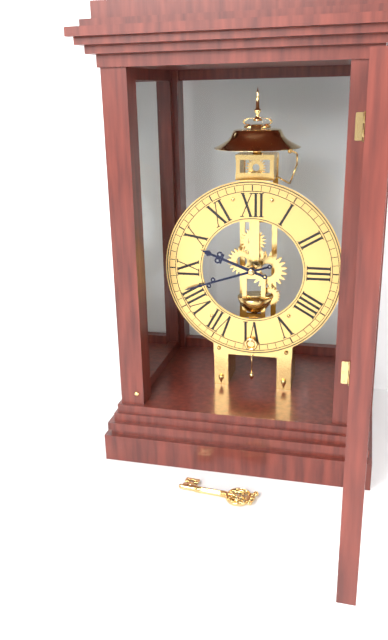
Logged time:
9h42
